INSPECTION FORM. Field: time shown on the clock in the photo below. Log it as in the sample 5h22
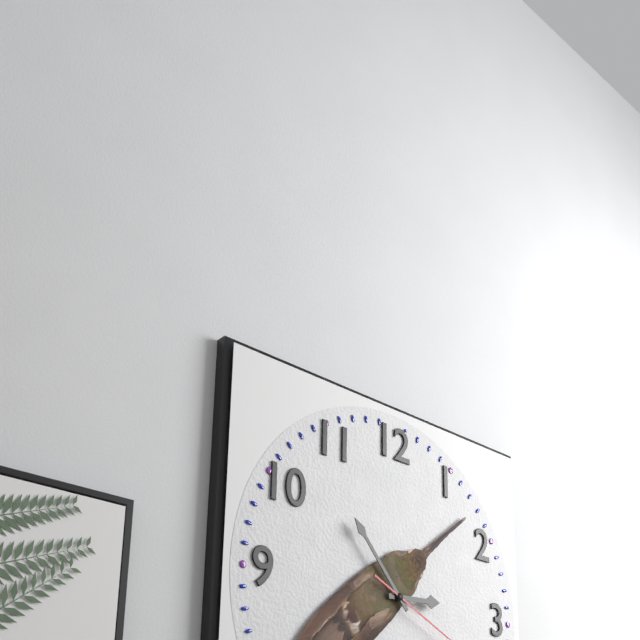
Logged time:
2h53
